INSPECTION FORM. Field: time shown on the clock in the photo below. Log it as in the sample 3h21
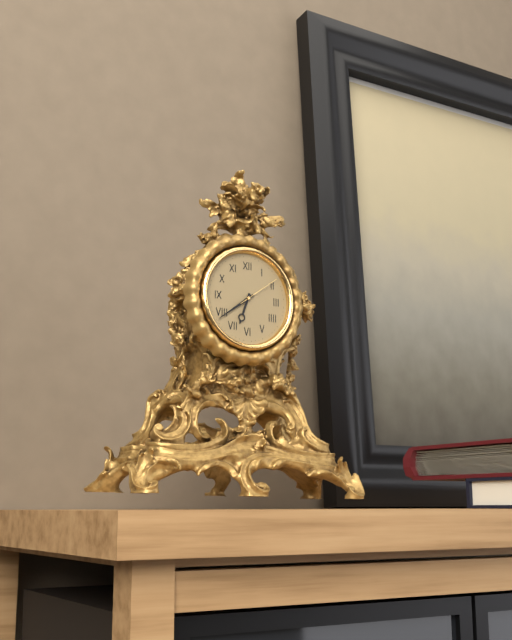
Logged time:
6h39
